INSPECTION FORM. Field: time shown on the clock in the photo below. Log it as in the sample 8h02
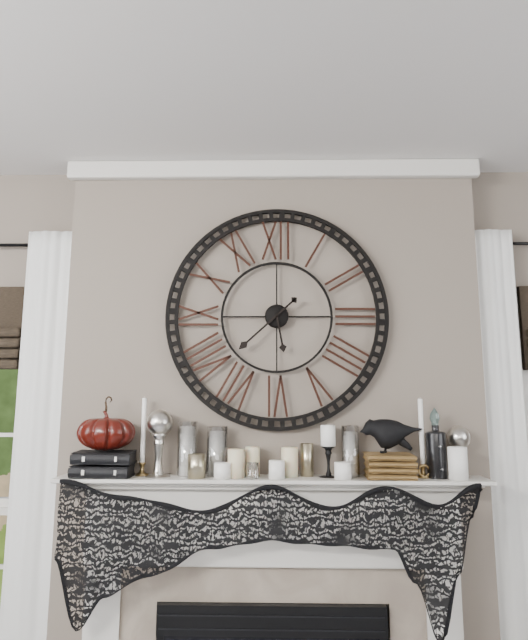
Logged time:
5h38
